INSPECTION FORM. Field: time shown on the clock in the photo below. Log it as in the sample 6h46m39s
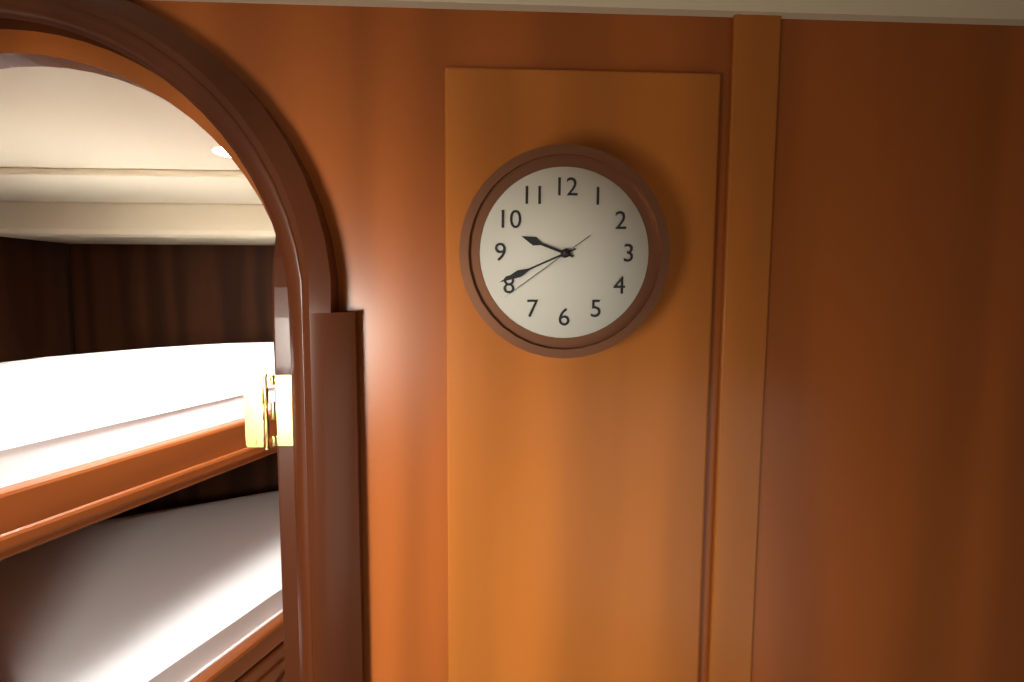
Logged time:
9h41m39s
